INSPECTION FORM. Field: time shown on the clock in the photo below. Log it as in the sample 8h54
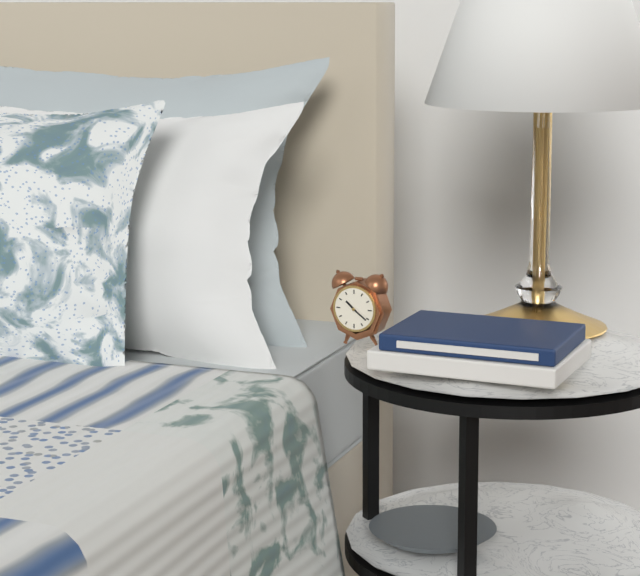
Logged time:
10h21
